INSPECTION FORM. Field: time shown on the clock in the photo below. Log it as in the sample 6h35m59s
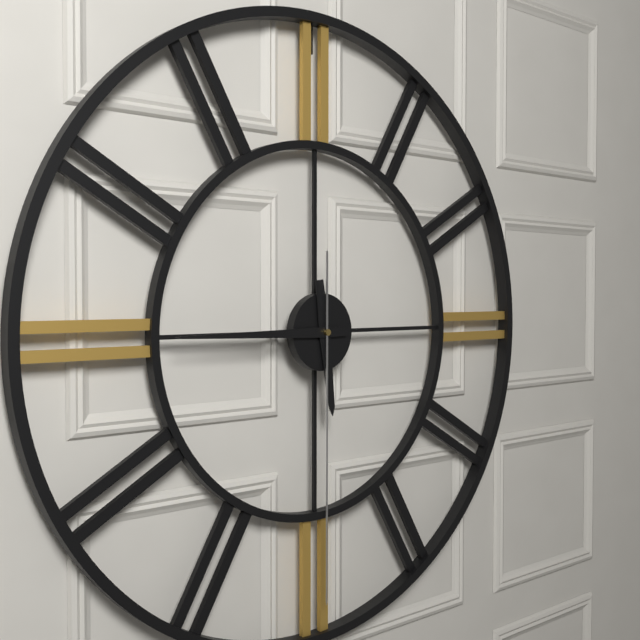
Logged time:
5h45m30s
